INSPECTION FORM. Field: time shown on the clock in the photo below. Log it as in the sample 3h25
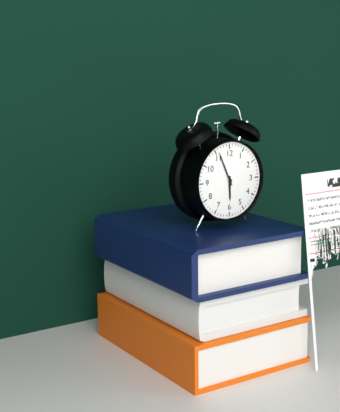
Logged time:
5h56
